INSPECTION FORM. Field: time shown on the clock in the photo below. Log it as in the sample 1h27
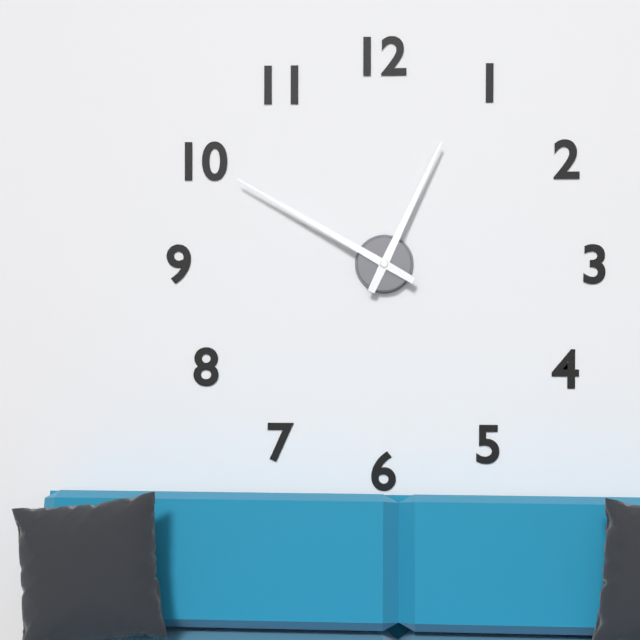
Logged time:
12h50
